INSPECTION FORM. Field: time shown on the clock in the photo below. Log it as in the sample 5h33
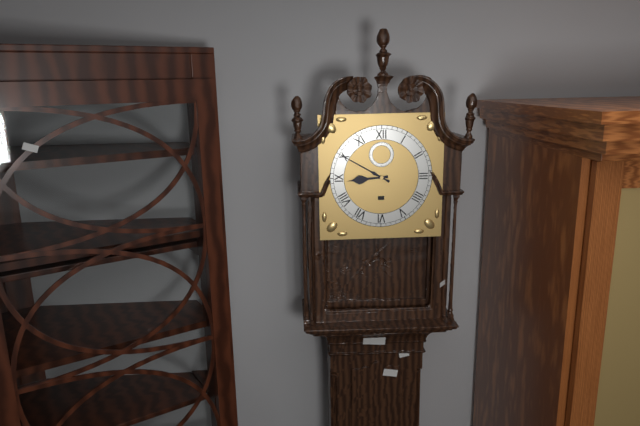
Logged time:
8h50
